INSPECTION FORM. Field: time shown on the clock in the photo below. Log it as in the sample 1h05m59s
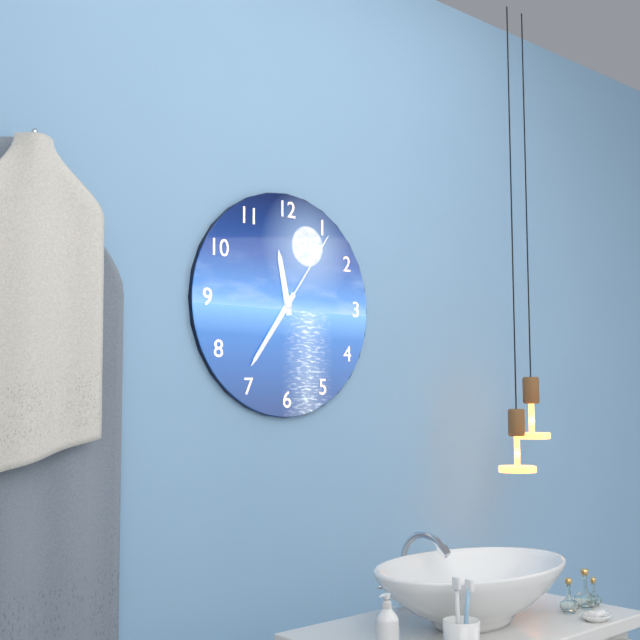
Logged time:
11h36m06s
